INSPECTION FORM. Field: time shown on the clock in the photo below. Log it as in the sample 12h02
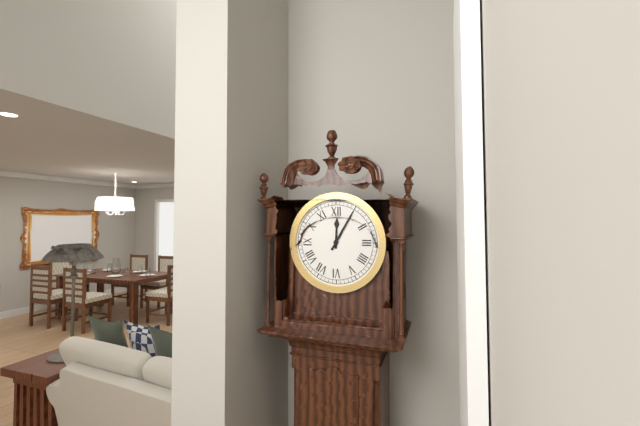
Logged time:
12h05
